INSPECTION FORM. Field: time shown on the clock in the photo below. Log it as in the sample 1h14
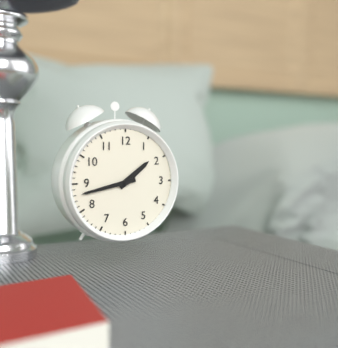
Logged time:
1h43
